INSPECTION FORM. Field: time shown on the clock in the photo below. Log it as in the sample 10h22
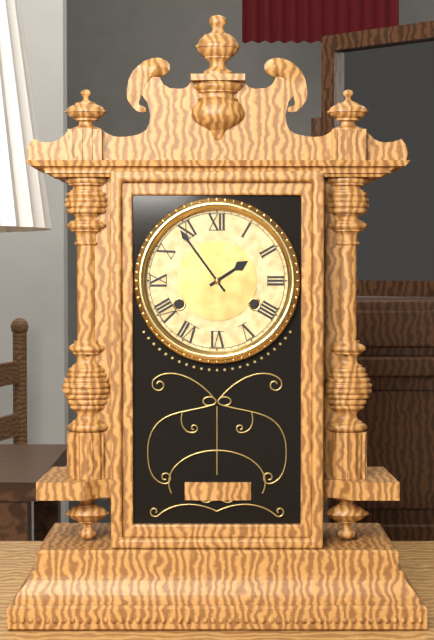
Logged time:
1h54
